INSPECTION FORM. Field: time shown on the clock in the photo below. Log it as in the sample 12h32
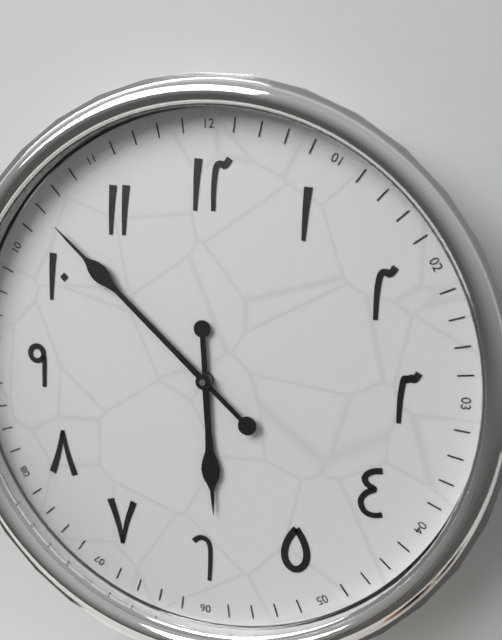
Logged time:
5h52
